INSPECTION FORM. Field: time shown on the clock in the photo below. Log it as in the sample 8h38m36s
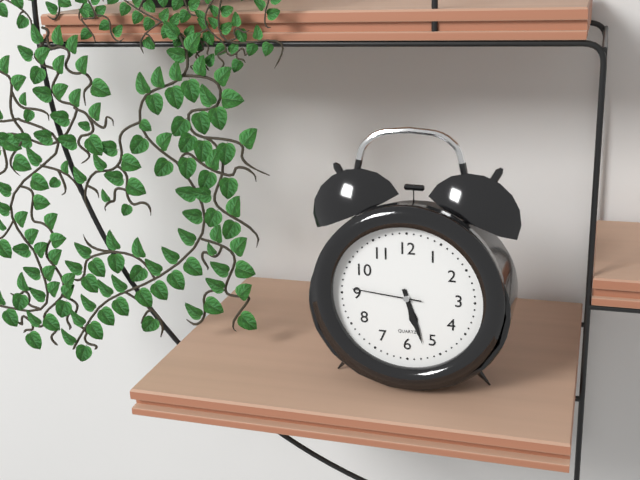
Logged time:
5h27m46s
